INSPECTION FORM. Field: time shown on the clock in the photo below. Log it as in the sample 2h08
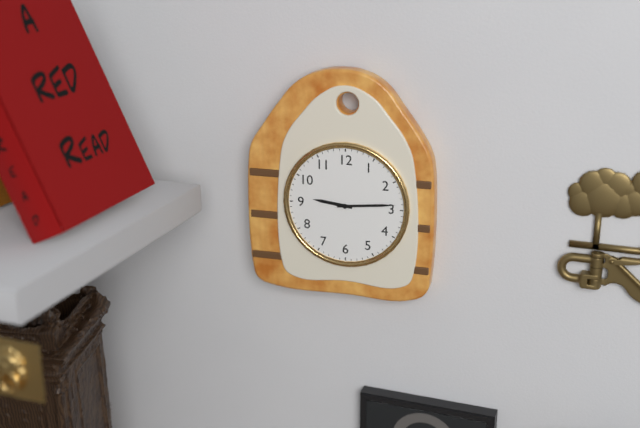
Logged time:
9h14
